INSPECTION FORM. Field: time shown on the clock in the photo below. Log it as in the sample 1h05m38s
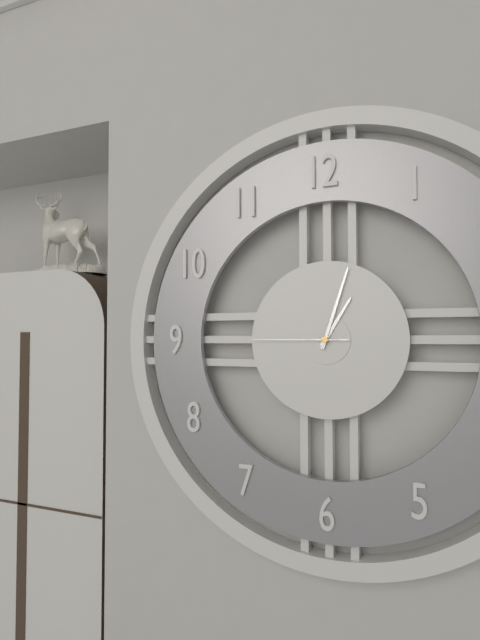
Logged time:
1h03m45s
